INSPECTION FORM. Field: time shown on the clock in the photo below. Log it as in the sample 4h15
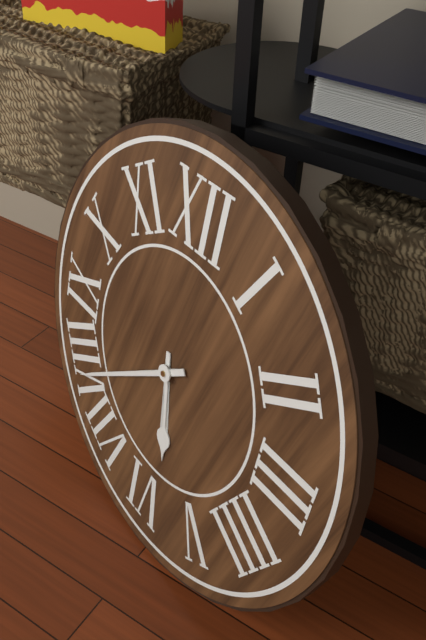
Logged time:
5h39
